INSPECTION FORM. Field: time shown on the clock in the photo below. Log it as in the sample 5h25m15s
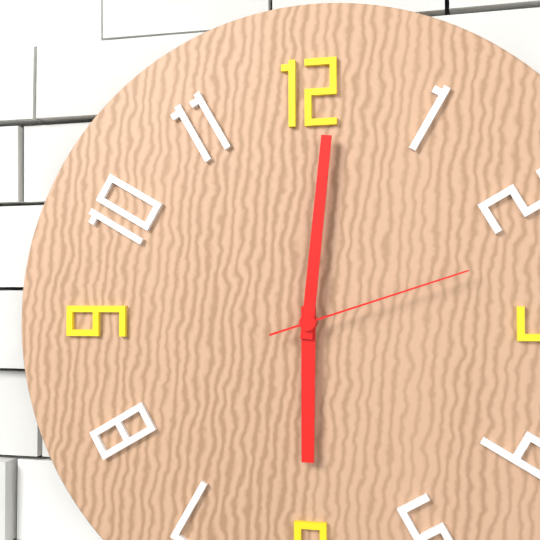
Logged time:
6h01m12s
